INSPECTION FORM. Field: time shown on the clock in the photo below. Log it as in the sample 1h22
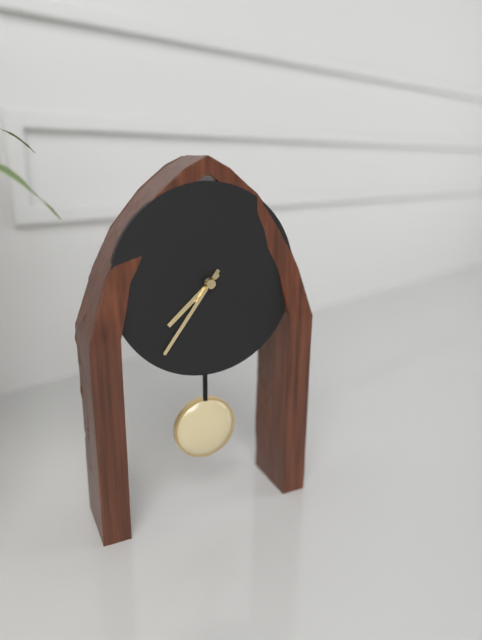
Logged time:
7h36
